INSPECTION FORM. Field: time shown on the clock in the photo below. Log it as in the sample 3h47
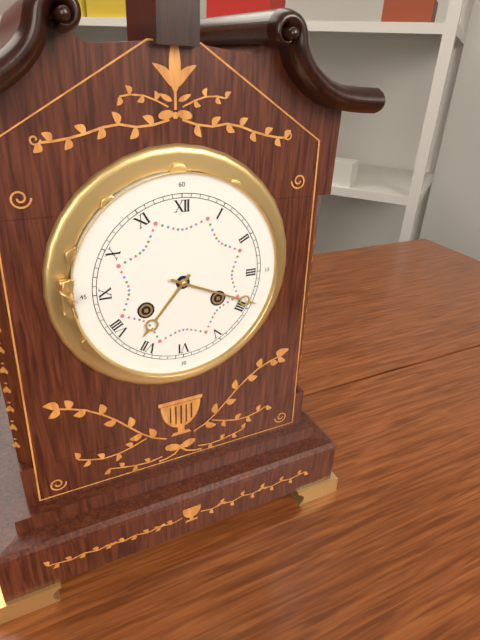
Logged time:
7h19
